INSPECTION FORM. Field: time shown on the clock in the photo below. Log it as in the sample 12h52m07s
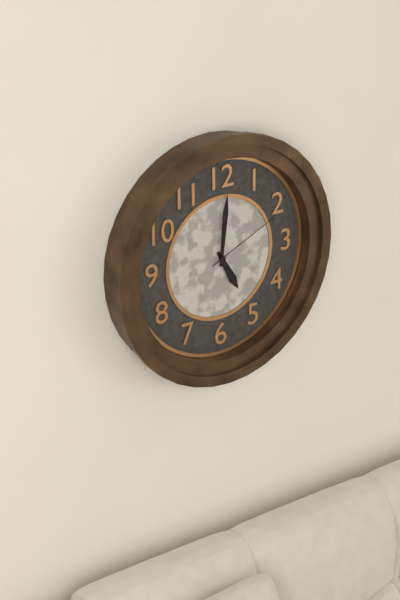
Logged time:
5h01m11s
